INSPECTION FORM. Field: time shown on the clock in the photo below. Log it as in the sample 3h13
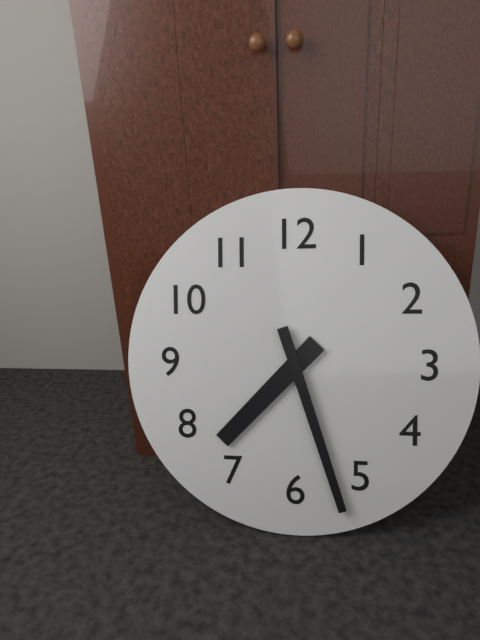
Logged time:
7h27
